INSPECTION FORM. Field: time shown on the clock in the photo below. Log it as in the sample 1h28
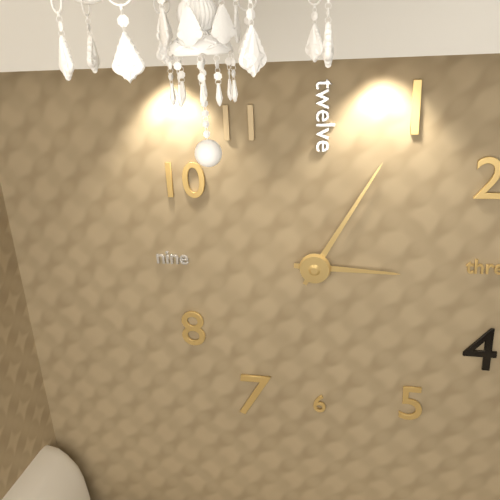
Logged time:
3h05
